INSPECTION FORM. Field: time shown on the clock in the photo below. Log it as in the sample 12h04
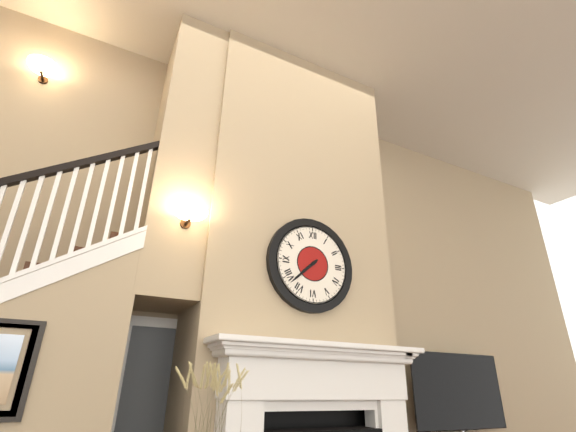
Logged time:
7h38
